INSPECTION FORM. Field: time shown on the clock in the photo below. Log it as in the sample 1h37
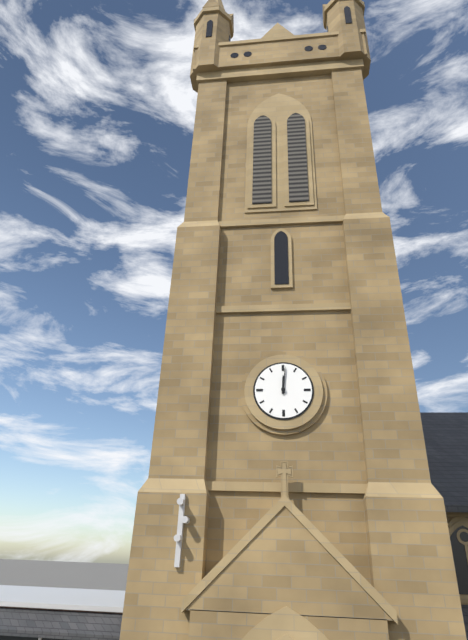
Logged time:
12h01
